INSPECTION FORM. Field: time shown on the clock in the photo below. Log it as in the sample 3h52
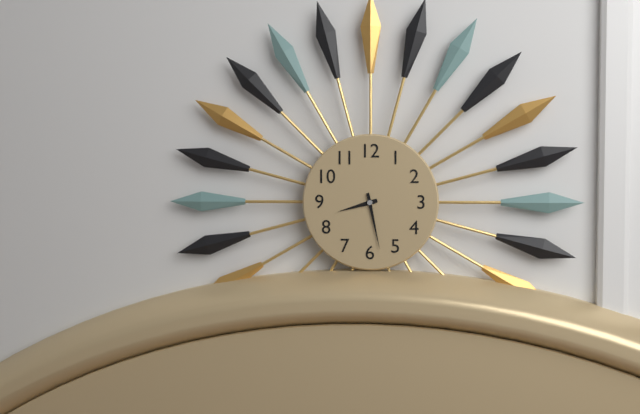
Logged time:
8h28
